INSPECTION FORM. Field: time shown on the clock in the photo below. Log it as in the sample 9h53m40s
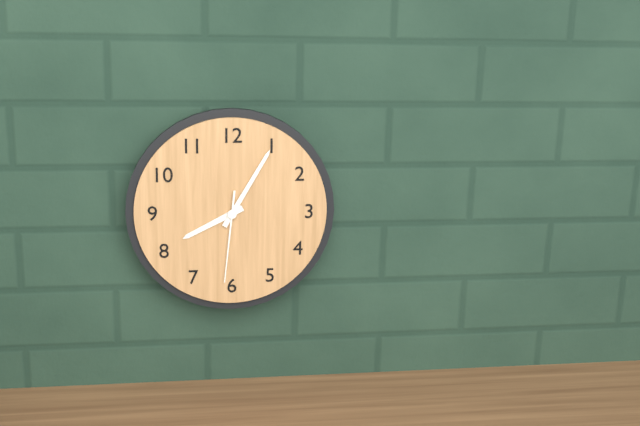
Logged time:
8h05m31s
